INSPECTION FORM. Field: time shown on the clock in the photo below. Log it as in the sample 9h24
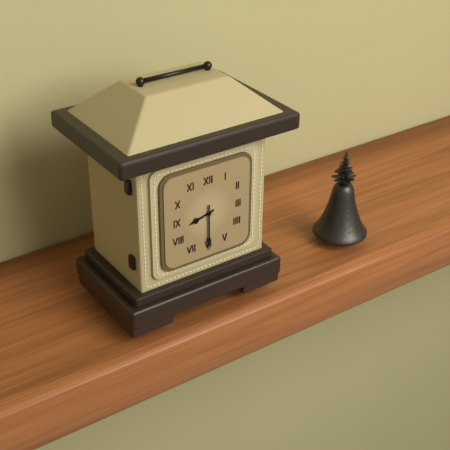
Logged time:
8h30
